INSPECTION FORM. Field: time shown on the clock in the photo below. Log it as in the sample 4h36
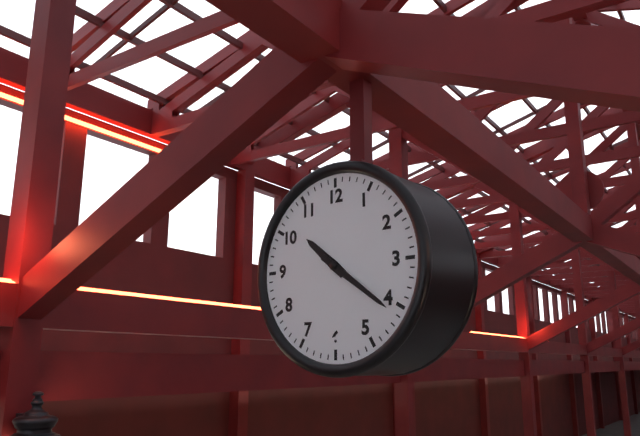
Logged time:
10h21
